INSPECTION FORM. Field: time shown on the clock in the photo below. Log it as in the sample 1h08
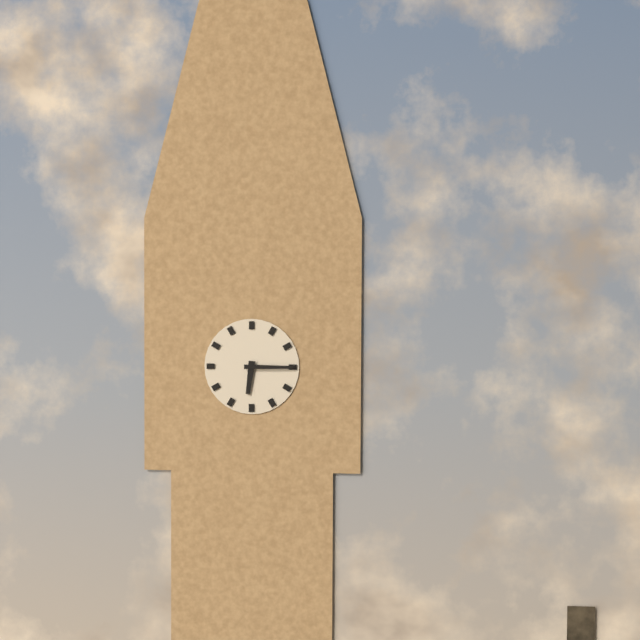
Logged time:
6h15
